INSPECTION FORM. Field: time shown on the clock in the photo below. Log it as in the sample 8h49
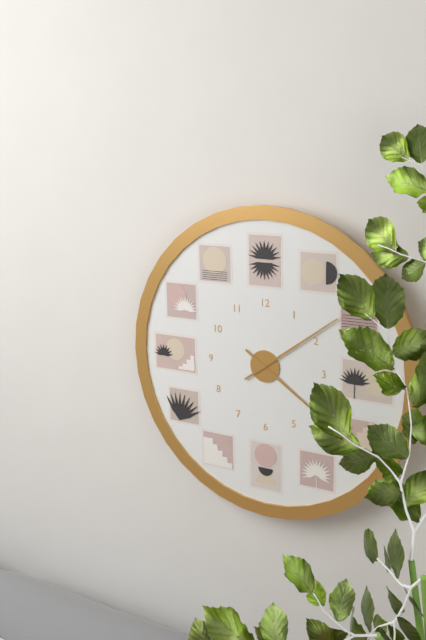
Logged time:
4h09
